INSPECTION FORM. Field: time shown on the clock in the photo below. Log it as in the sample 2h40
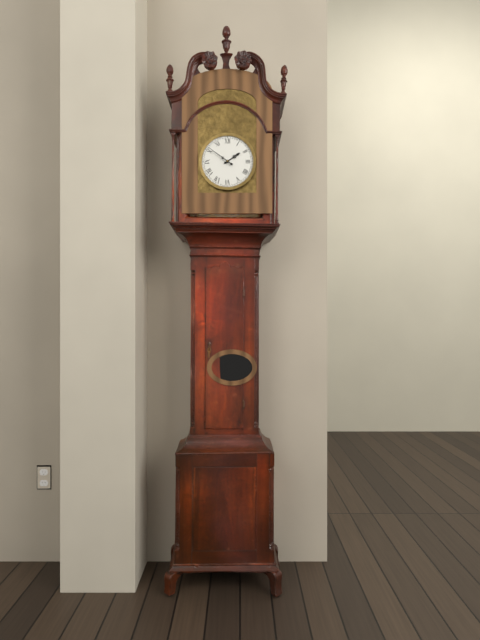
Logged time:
1h51
